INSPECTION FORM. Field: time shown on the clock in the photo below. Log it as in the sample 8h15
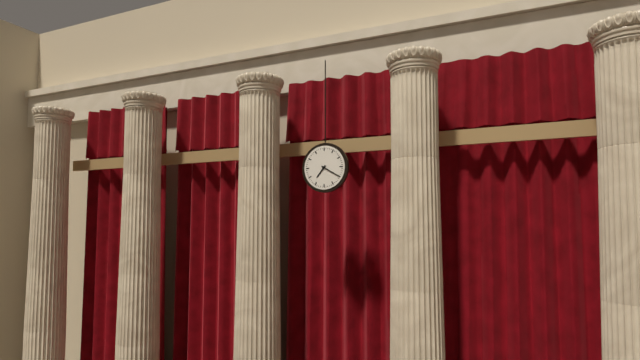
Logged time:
7h20
